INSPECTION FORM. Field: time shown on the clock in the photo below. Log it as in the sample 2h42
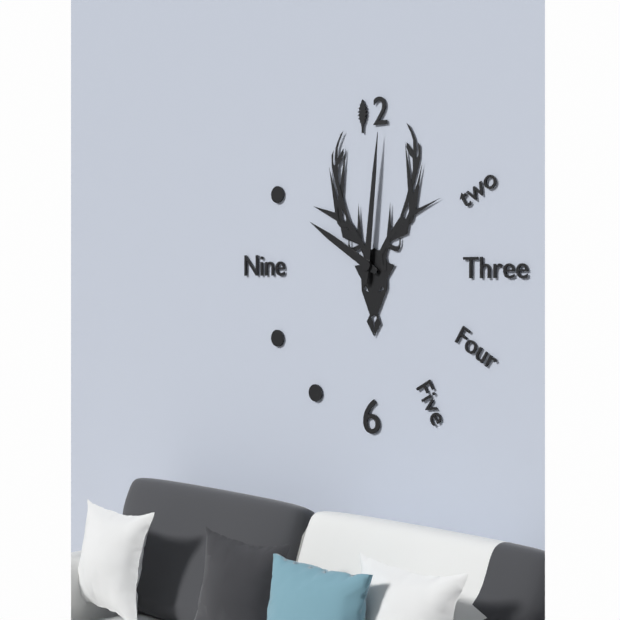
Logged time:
10h01
